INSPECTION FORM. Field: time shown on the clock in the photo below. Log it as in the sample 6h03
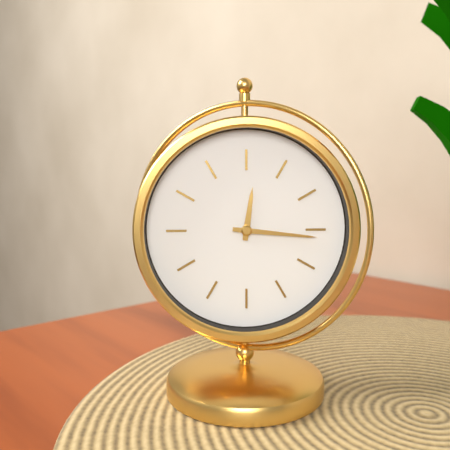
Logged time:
12h16
